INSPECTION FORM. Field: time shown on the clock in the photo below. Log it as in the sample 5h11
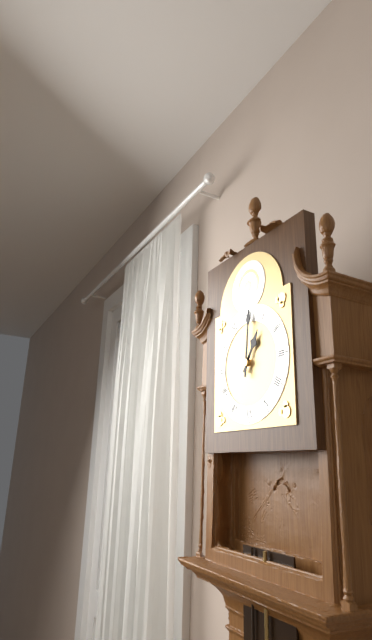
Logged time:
1h01
